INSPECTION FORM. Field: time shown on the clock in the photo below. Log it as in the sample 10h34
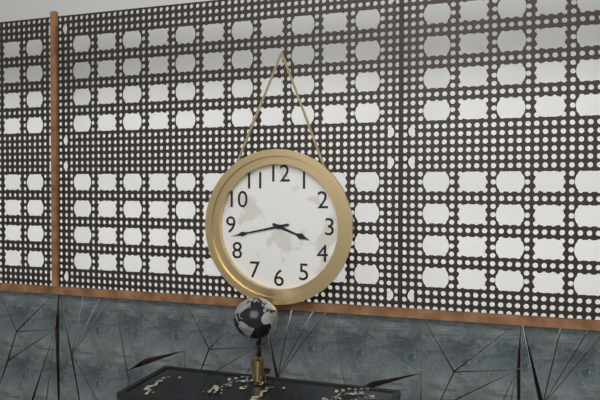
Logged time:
3h43
